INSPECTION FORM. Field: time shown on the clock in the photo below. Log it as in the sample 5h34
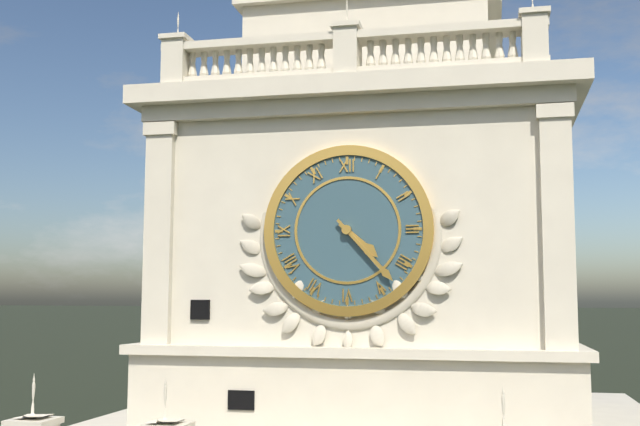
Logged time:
4h23
